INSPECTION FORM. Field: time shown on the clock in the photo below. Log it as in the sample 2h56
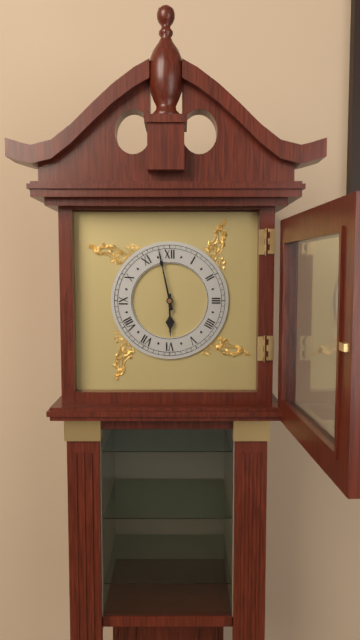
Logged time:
5h58
